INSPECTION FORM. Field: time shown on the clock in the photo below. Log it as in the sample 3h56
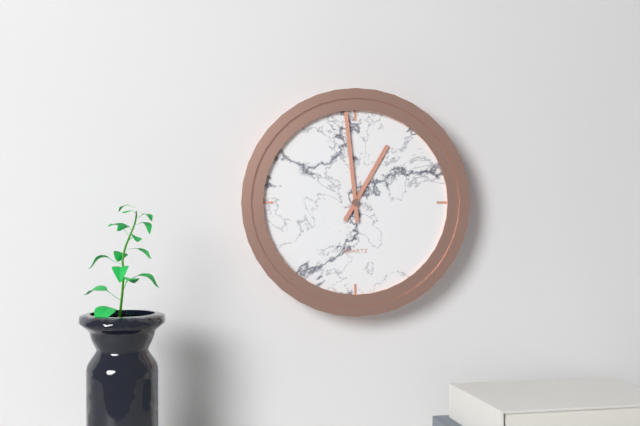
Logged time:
12h59
